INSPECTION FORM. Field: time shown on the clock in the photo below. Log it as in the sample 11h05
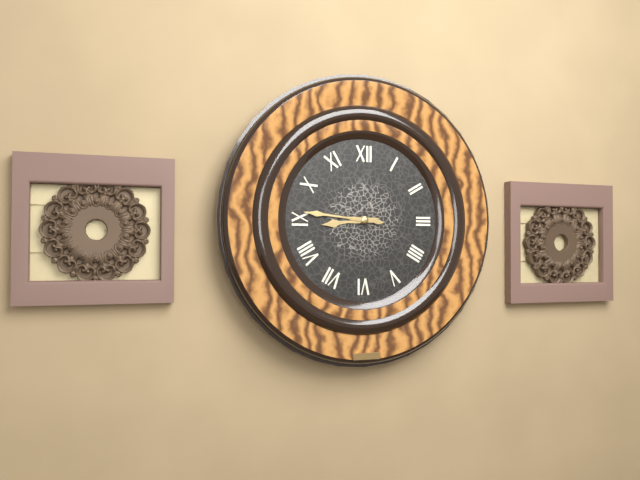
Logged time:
8h46
